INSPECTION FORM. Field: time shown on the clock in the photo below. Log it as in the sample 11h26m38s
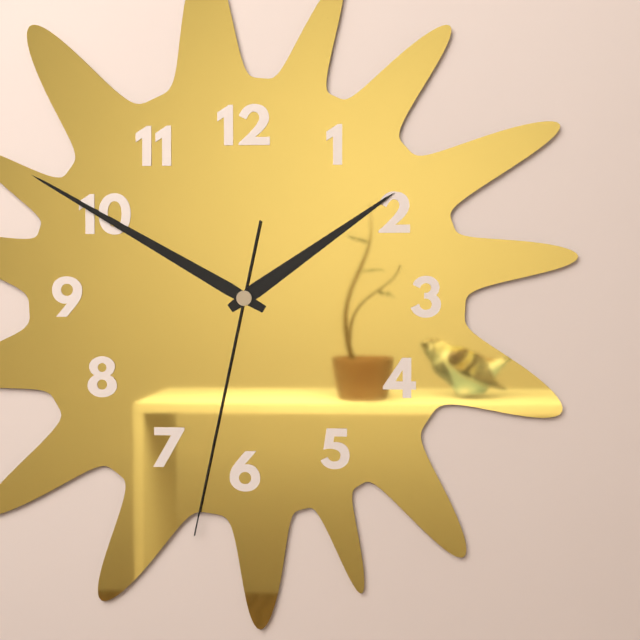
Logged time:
1h50m32s
